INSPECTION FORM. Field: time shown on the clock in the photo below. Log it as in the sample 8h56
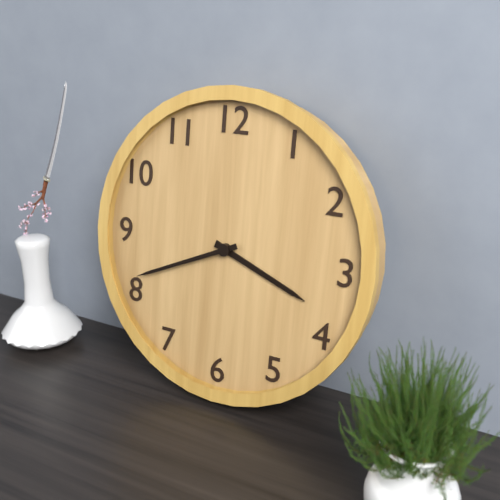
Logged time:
3h41
